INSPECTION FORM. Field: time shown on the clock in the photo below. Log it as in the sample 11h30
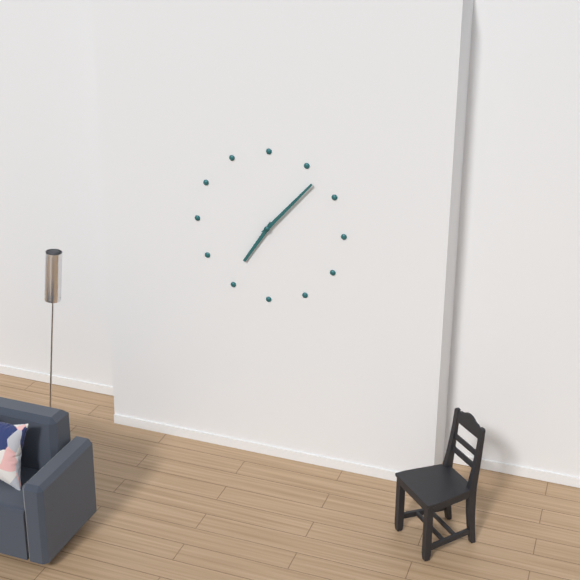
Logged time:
7h07
